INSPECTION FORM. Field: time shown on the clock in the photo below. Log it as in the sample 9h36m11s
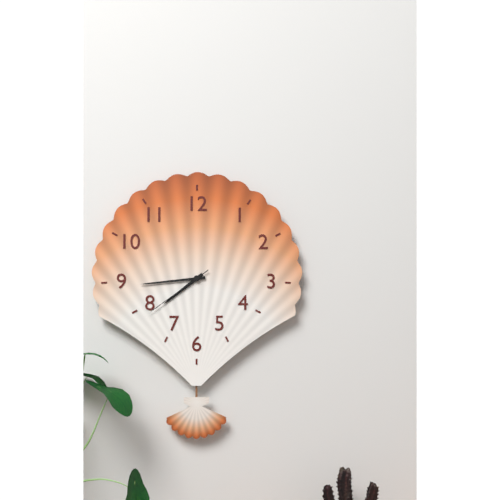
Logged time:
7h44m39s
